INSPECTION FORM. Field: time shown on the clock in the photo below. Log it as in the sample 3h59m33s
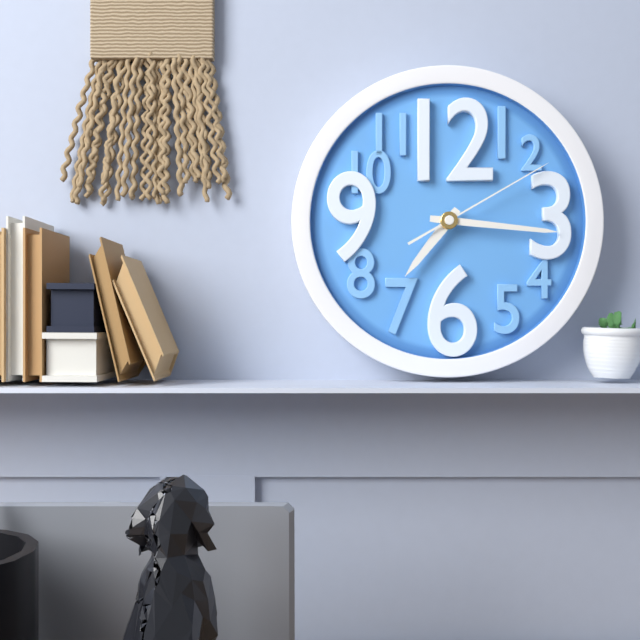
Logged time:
7h16m10s
